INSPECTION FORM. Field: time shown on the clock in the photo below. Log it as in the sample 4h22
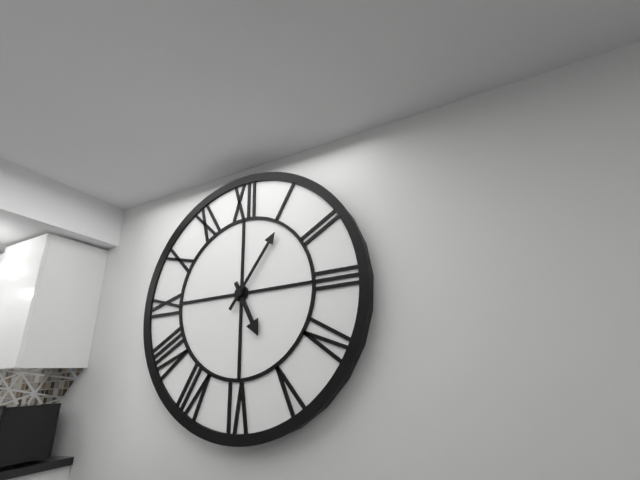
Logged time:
5h06
